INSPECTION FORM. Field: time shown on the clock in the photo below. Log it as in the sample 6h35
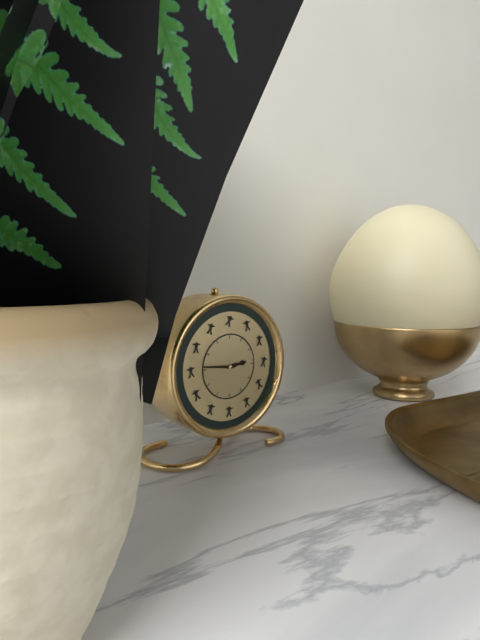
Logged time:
2h46
